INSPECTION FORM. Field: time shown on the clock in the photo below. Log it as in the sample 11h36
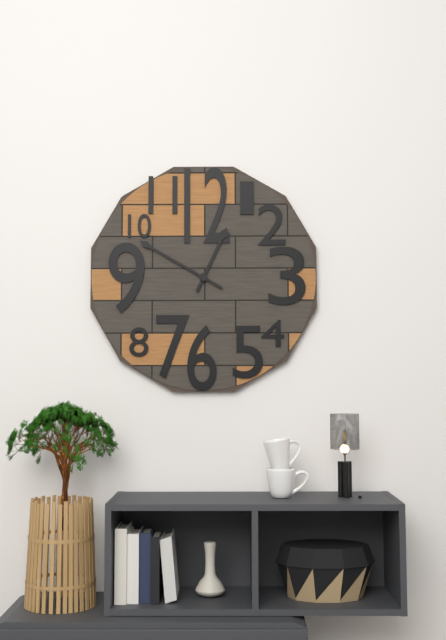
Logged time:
12h50
